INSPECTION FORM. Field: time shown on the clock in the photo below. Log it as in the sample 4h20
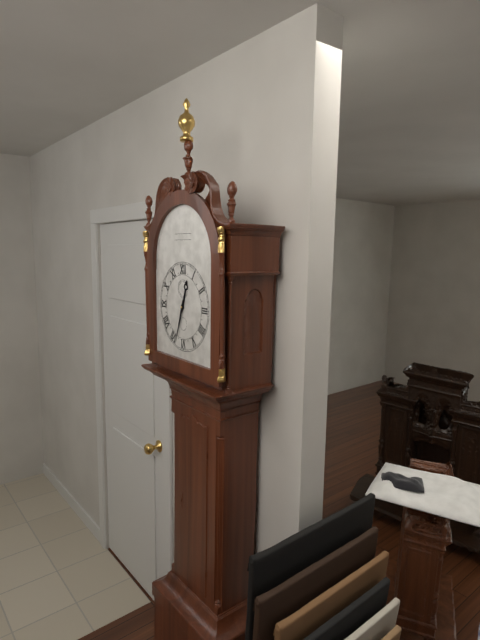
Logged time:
12h33
